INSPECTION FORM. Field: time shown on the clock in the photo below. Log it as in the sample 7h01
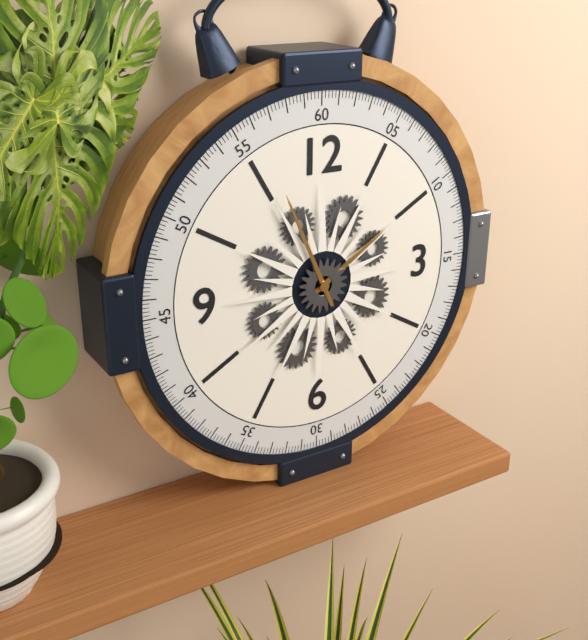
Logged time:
1h56
